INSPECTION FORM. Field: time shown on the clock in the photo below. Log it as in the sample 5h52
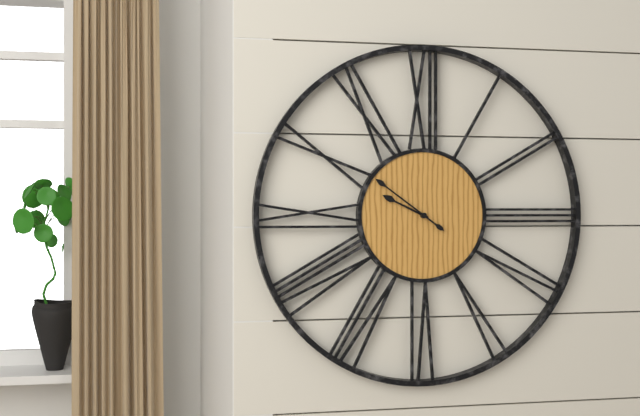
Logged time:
9h51
